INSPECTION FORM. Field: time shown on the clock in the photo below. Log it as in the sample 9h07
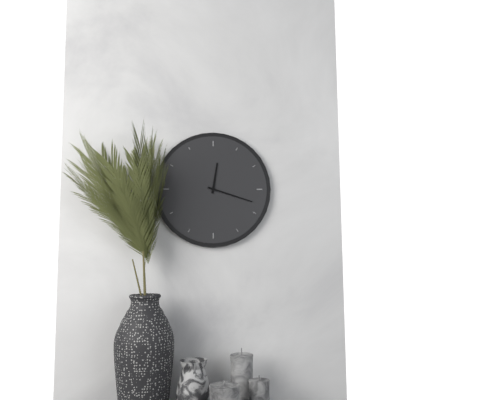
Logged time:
12h18
